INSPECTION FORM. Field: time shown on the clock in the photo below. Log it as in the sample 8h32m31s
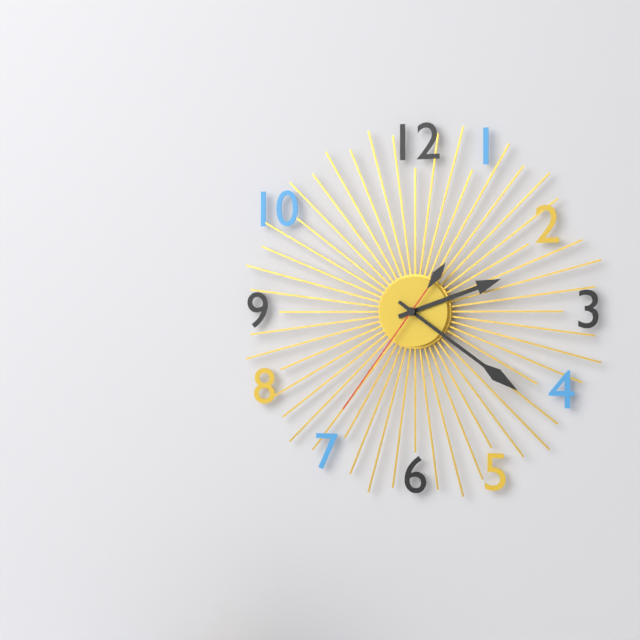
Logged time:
2h21m36s
